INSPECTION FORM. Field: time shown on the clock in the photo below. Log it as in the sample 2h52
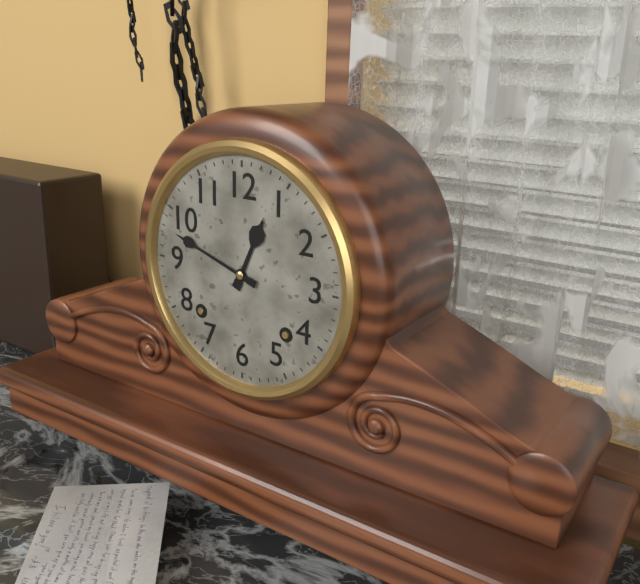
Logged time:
12h48
